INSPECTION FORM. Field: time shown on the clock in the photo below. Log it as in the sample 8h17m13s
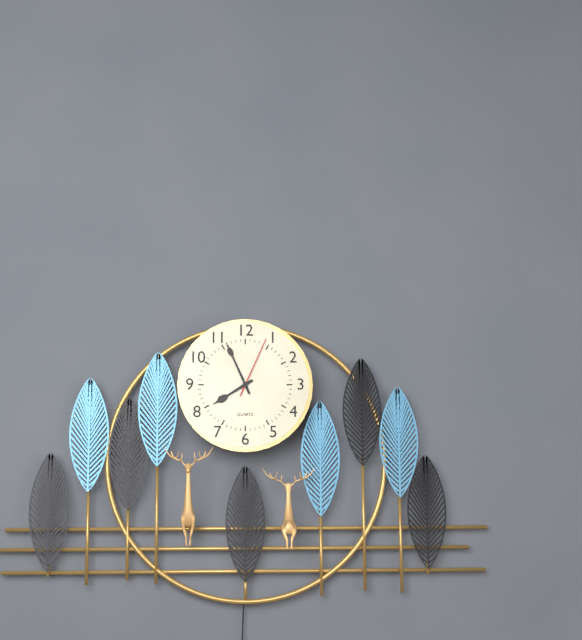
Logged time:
7h56m04s
